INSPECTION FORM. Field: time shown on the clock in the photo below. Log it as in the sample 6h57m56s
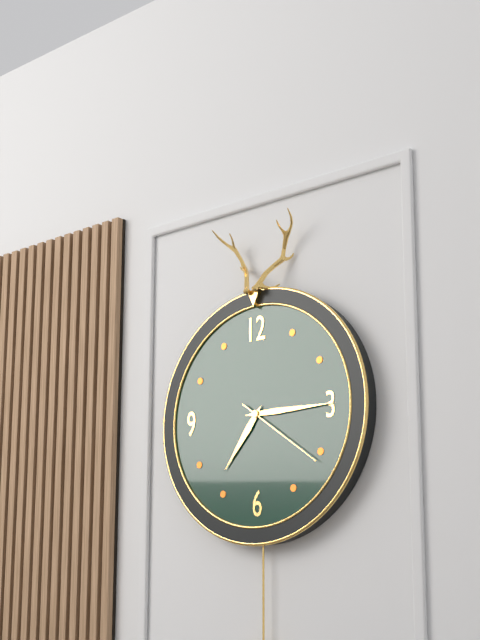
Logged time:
7h15m21s
